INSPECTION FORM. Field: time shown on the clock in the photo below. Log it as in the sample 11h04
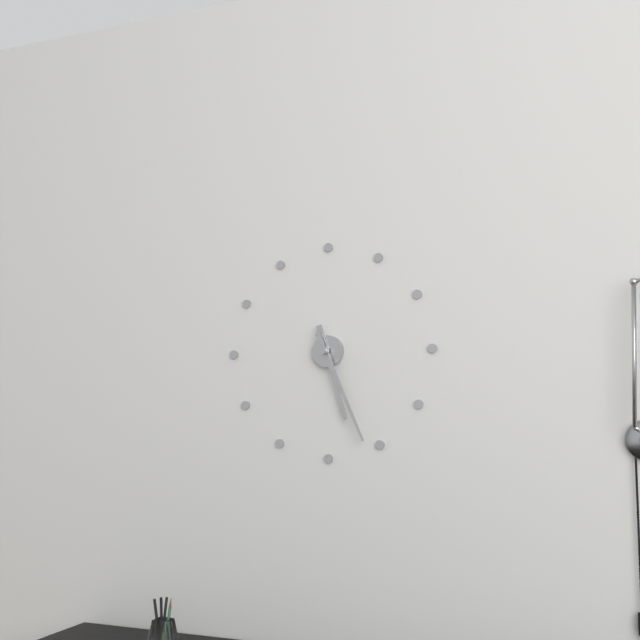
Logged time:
5h26
